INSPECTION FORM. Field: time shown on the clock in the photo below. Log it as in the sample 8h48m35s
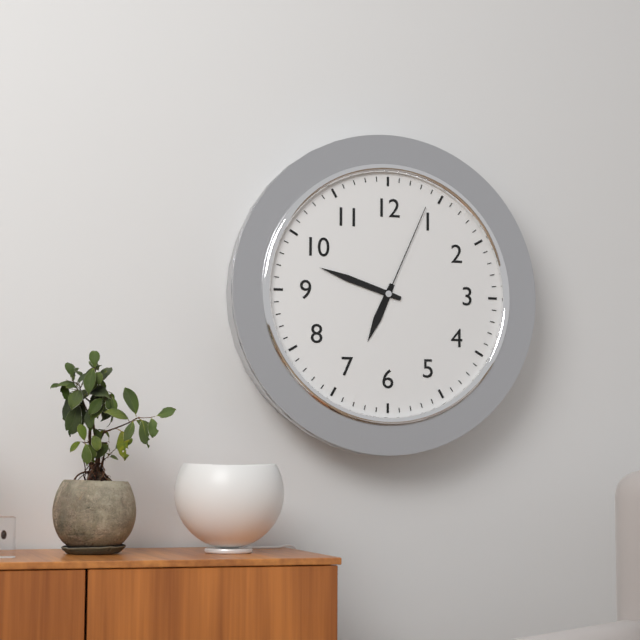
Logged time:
6h48m04s
